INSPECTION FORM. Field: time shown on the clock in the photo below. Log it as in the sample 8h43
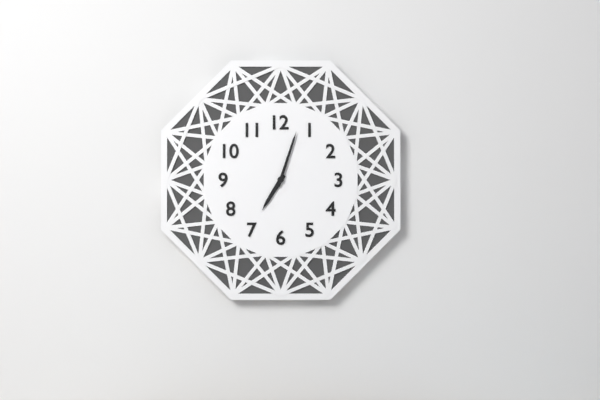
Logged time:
7h03
